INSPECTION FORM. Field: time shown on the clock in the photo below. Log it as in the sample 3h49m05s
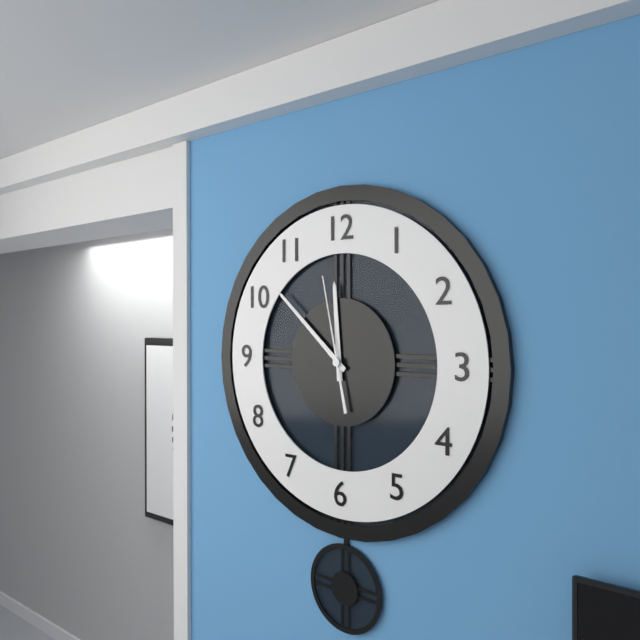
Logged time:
11h52m58s
